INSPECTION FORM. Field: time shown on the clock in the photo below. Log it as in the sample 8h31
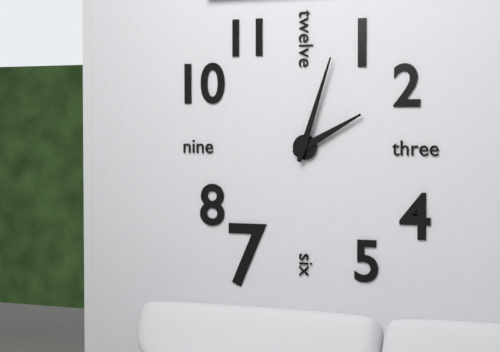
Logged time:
2h03
